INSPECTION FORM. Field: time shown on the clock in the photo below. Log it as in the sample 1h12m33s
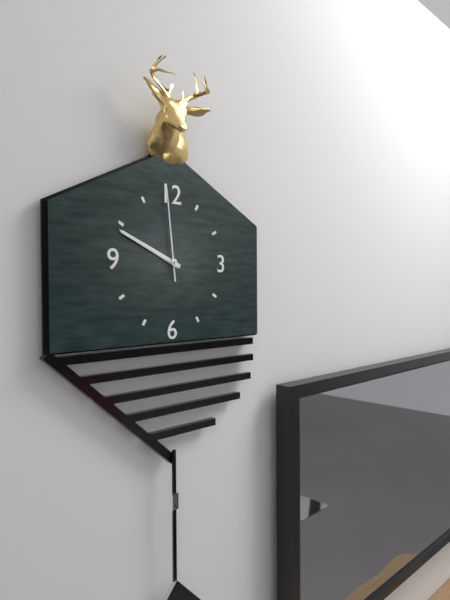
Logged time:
9h49m59s
